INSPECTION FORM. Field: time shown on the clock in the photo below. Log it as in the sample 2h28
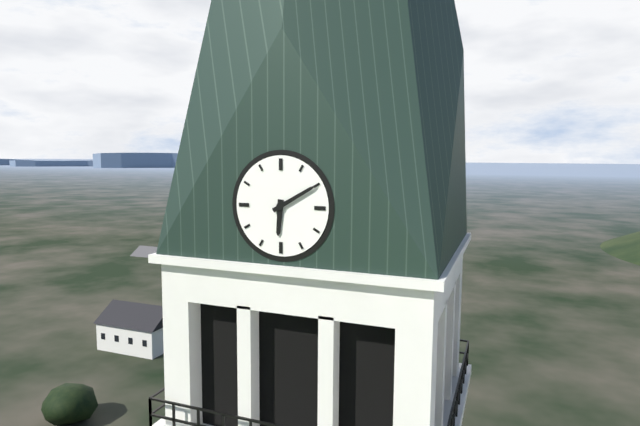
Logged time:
6h10
